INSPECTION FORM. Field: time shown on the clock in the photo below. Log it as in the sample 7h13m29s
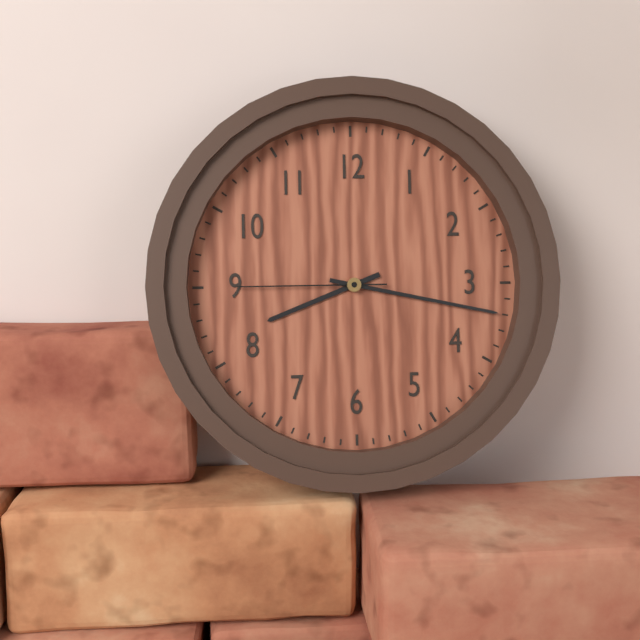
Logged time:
8h17m45s
